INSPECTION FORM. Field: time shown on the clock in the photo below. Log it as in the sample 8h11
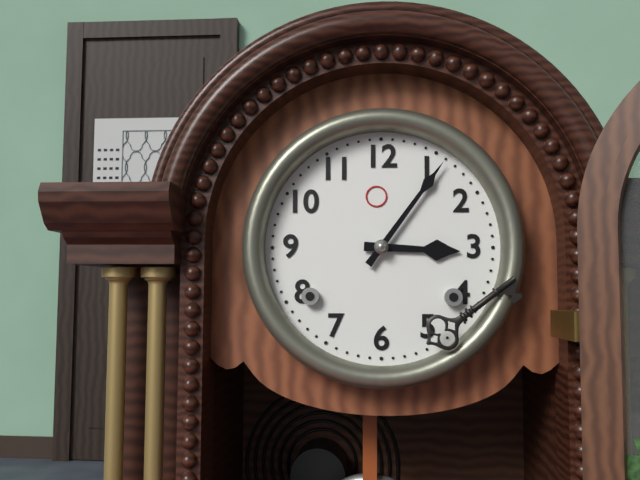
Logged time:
3h06
